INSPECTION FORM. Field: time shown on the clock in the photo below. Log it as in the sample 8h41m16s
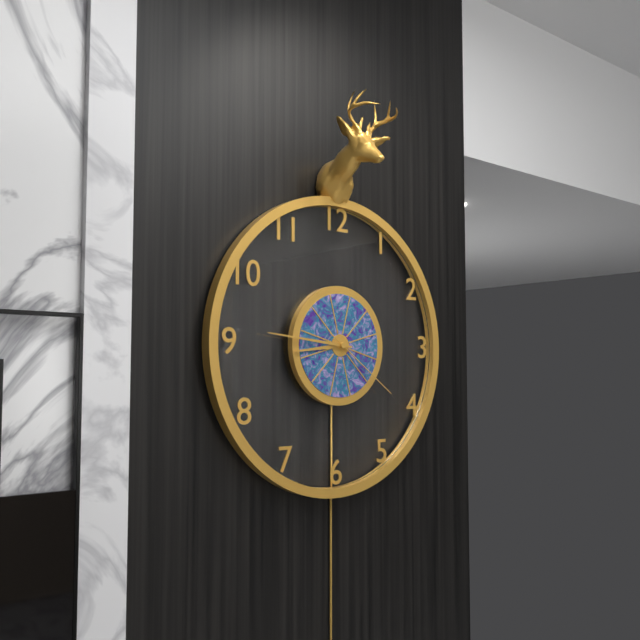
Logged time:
8h46m21s
